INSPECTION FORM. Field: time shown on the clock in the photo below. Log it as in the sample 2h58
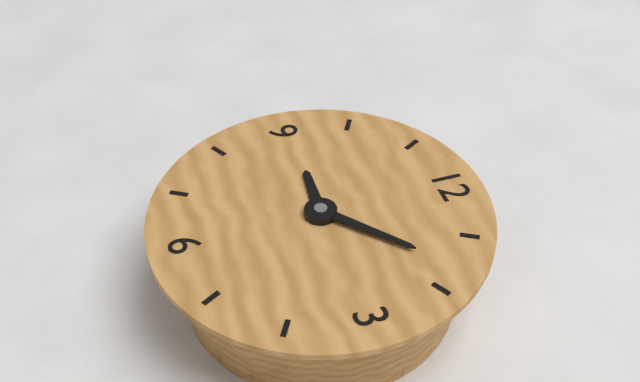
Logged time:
9h08
